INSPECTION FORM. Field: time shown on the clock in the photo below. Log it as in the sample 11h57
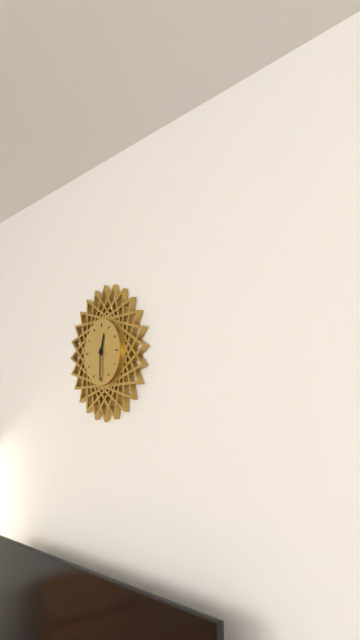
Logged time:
12h30
